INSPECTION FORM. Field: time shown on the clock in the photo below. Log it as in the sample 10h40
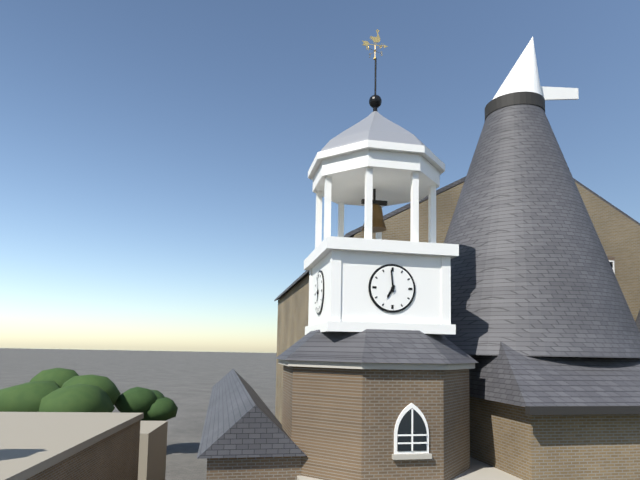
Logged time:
6h59
